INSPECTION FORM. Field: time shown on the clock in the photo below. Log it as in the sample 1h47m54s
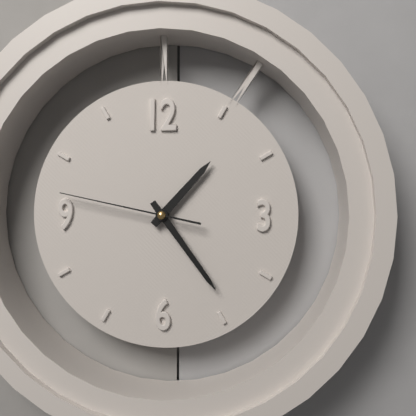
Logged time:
1h24m47s
